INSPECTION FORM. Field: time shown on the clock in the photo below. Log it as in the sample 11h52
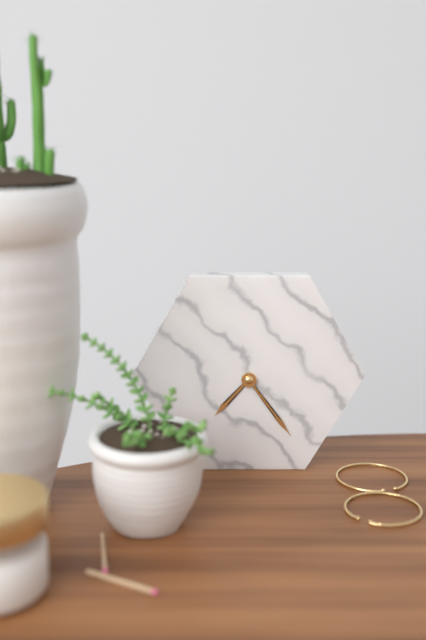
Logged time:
7h24
